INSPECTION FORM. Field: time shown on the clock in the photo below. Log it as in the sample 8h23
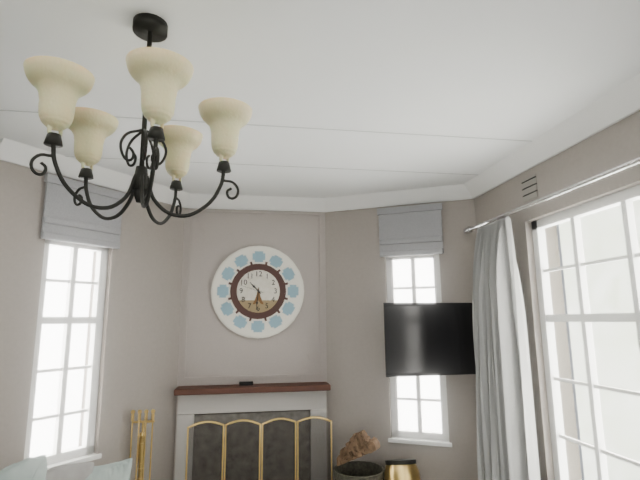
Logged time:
10h31
